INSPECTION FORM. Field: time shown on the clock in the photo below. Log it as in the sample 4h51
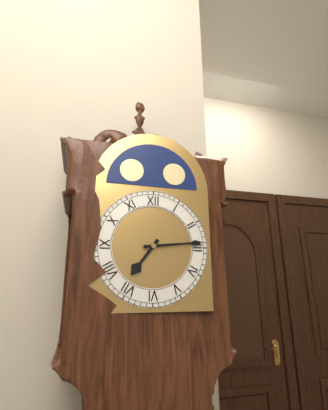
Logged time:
7h14
